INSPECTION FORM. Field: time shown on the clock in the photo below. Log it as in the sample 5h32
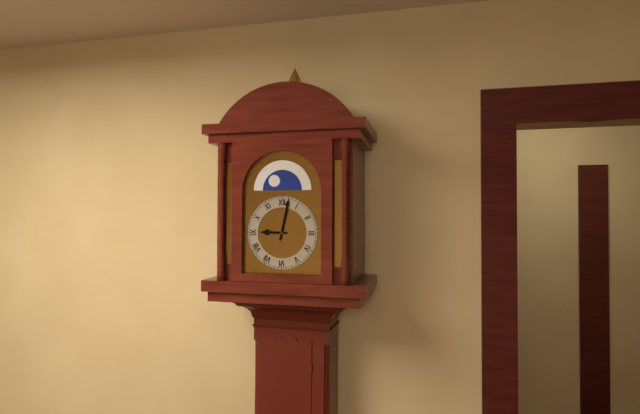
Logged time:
9h02
